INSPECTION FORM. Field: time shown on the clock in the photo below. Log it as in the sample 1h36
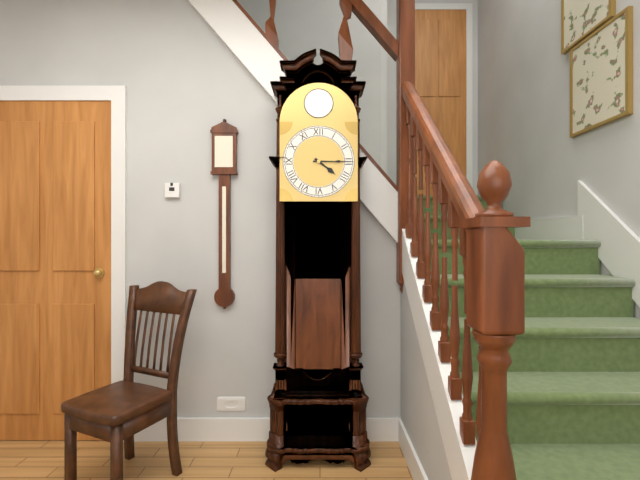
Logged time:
4h15
